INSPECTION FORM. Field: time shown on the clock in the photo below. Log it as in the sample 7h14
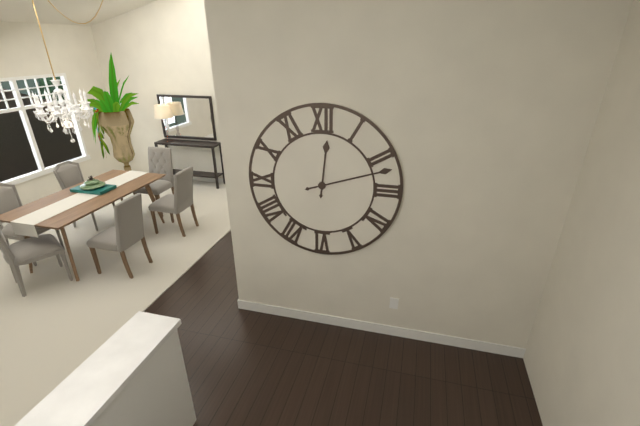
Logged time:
12h12
